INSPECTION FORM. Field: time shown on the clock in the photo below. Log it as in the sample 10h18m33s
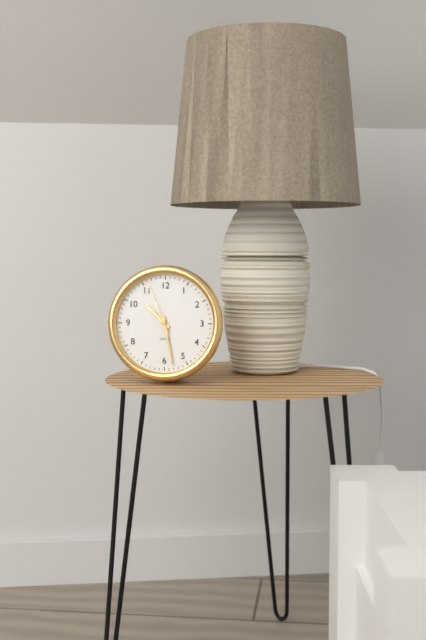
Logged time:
10h28m56s
